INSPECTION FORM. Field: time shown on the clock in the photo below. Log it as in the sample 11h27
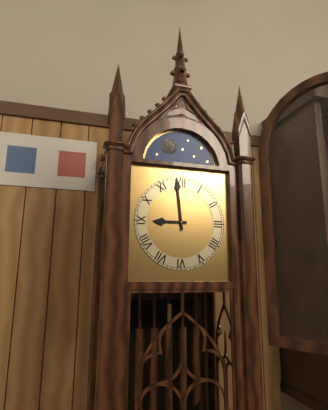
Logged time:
8h59
